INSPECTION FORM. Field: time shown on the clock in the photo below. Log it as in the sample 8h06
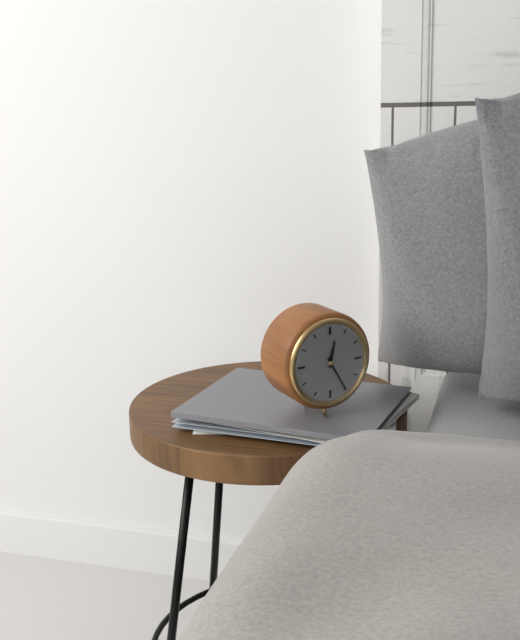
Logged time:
12h25
